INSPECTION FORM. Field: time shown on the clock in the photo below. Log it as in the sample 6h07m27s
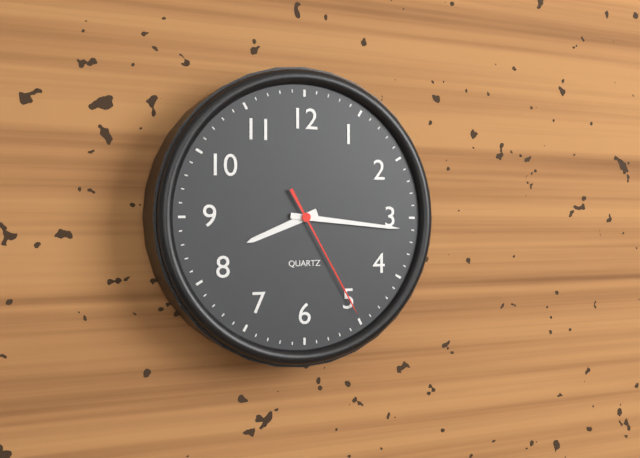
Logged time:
8h16m25s
